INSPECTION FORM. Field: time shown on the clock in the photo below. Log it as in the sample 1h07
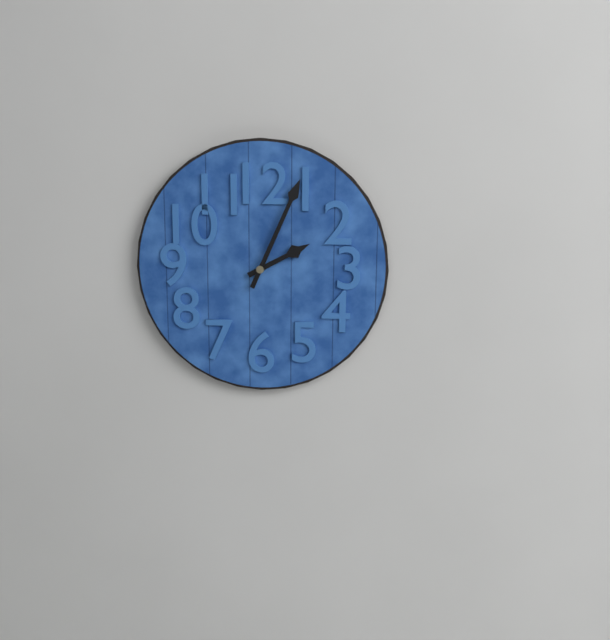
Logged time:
2h04
